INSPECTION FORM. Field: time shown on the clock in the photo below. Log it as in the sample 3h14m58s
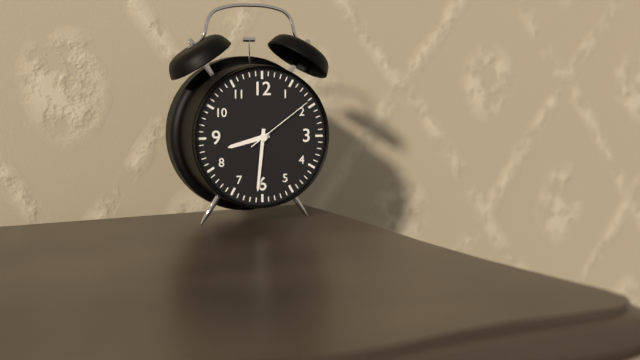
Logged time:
8h31m09s
